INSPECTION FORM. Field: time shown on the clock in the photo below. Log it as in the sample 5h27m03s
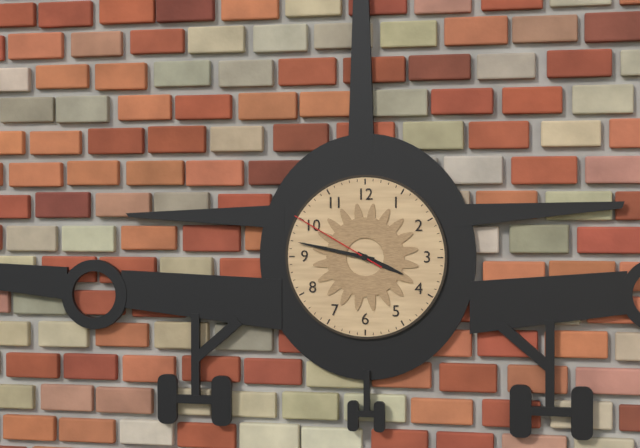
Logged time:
3h47m50s
